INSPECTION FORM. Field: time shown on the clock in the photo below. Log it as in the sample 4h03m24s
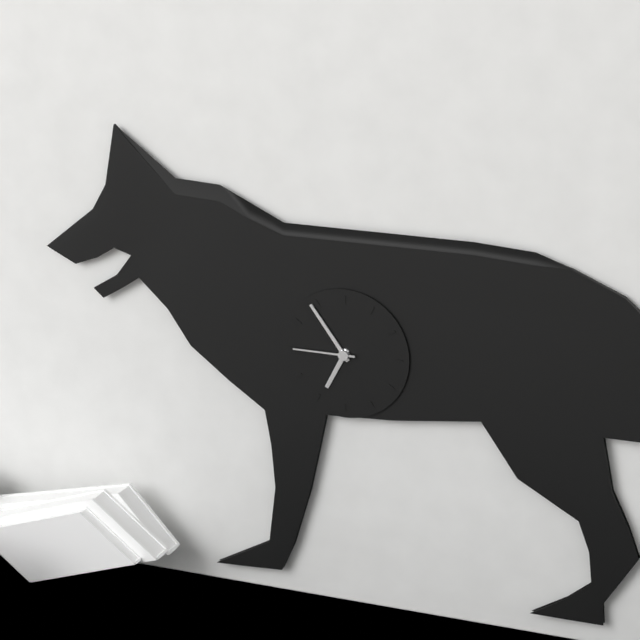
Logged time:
6h54m45s
